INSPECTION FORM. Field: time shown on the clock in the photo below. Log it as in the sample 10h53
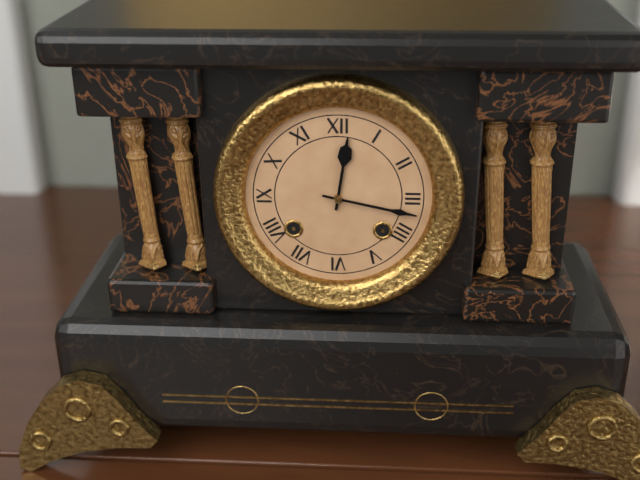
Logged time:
12h17
